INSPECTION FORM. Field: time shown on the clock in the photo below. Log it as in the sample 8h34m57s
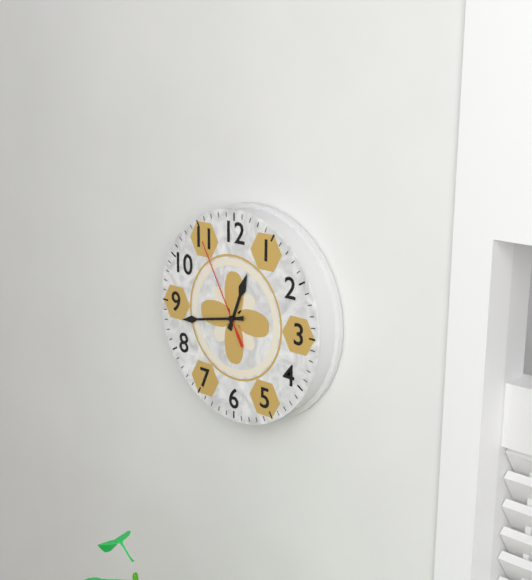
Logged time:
12h43m55s
